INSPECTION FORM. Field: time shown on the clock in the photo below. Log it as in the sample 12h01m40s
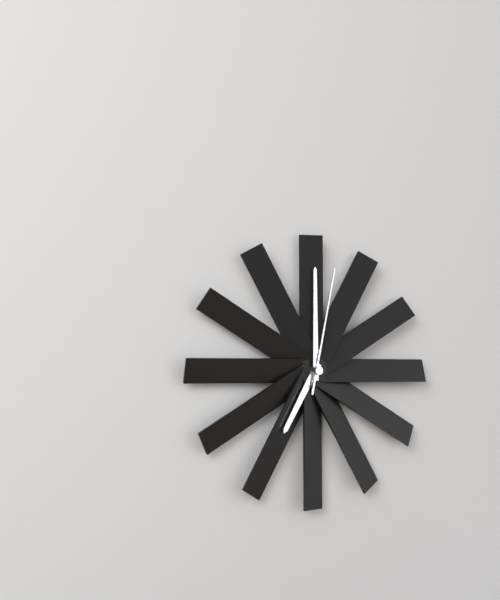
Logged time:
7h00m02s
